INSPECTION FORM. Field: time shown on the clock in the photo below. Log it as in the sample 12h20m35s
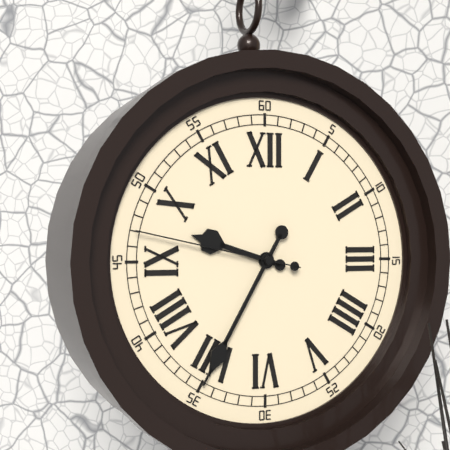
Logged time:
9h35m47s
